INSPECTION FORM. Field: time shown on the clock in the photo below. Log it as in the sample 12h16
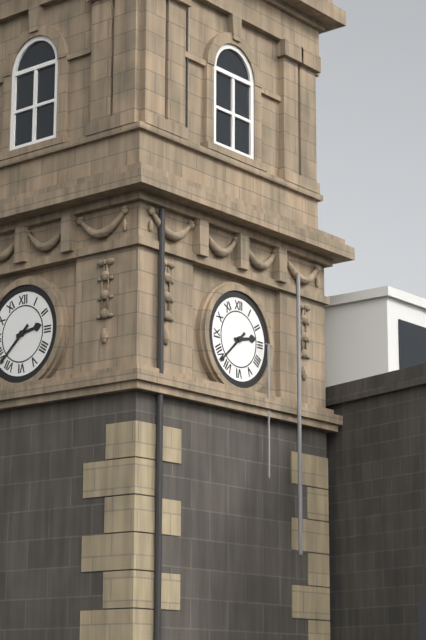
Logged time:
2h38
